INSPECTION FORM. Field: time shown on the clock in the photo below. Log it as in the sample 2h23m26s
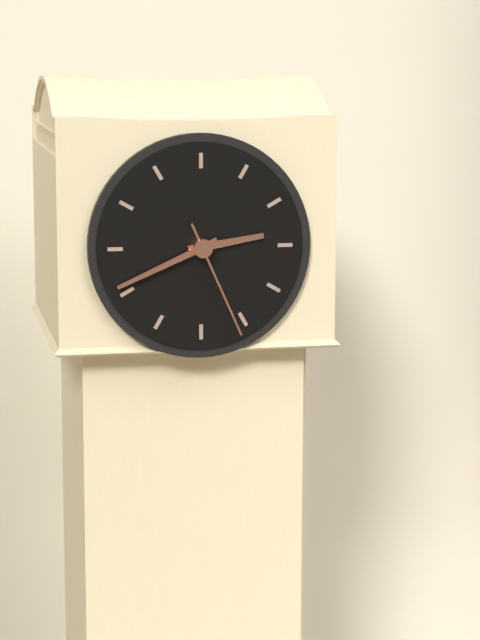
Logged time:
2h41m26s
